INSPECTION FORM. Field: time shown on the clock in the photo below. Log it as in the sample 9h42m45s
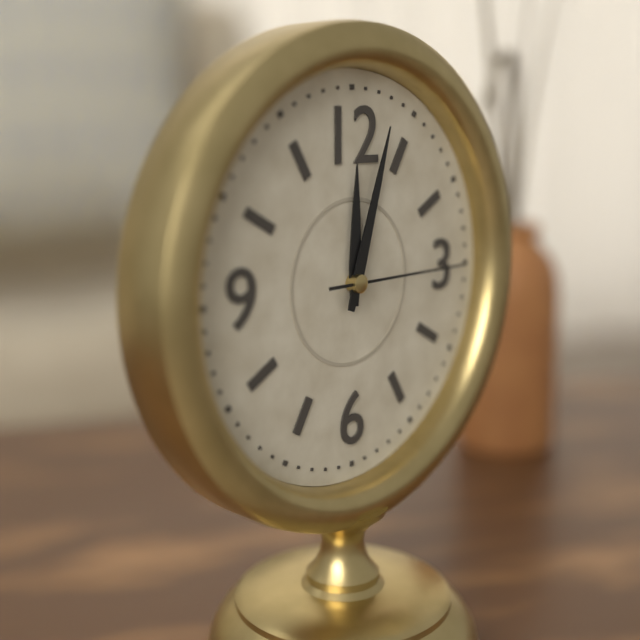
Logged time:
12h03m15s
